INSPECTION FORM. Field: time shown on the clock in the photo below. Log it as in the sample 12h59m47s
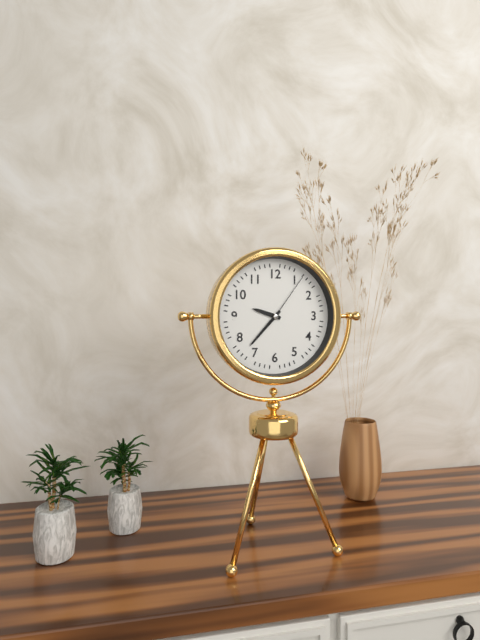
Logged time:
9h37m06s
